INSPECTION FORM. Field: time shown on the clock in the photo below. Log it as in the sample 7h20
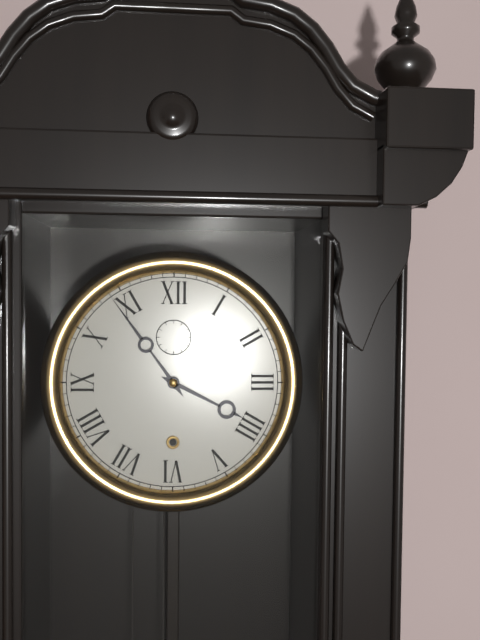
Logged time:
3h54
